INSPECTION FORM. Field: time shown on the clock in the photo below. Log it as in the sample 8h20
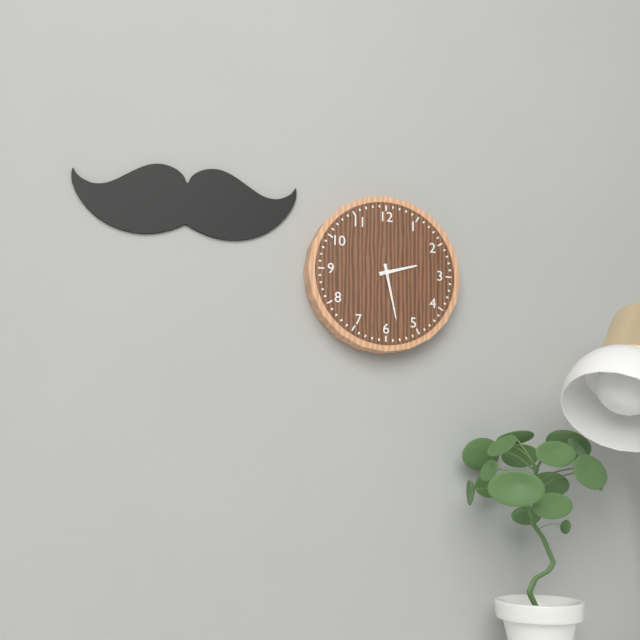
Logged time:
2h28
